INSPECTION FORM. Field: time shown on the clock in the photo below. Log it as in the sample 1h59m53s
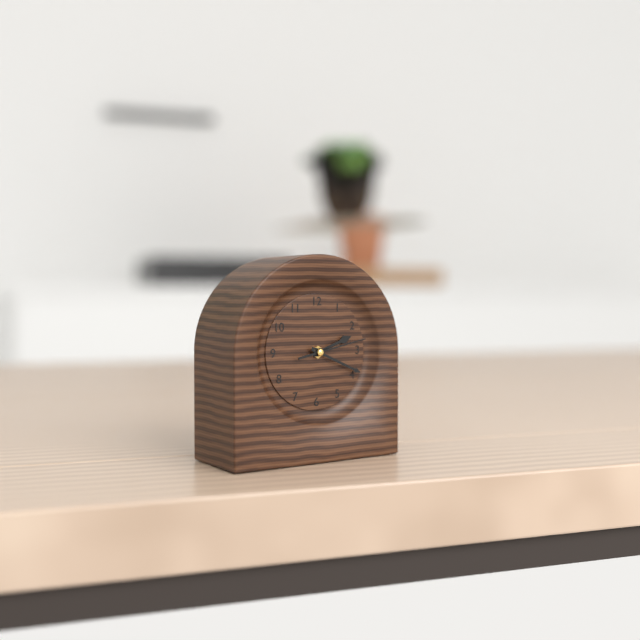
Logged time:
2h19m13s
